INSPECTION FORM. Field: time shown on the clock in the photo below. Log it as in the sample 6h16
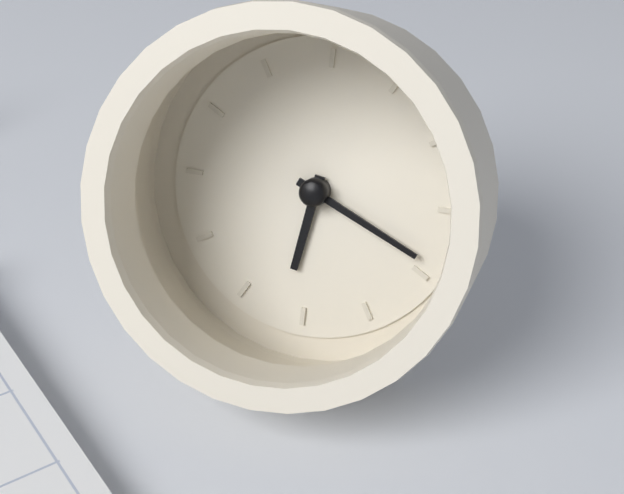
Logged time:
6h19
